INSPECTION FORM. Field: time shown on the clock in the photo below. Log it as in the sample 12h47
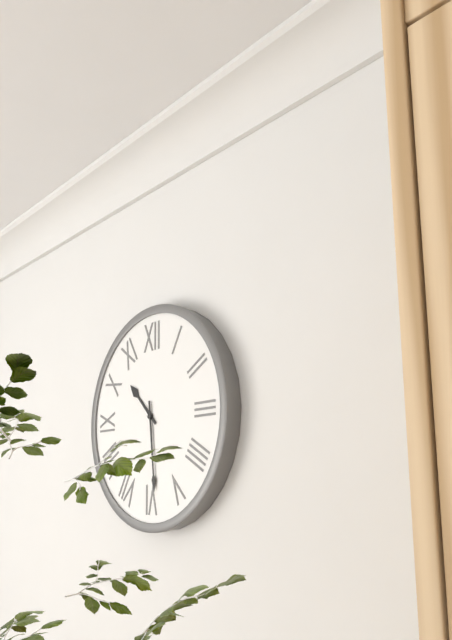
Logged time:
10h29
